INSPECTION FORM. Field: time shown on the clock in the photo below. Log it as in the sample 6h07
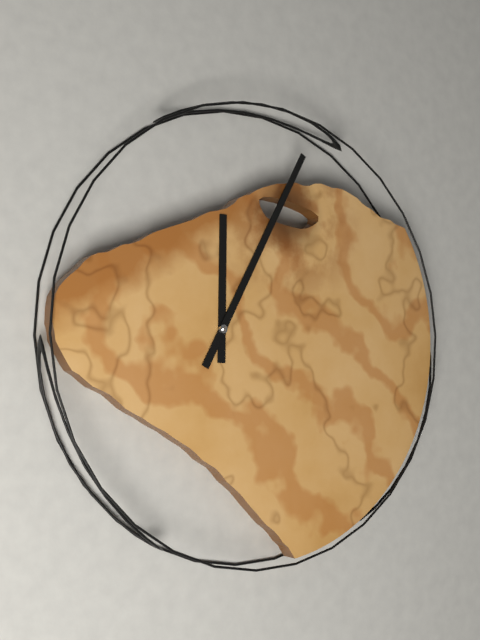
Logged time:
12h05
